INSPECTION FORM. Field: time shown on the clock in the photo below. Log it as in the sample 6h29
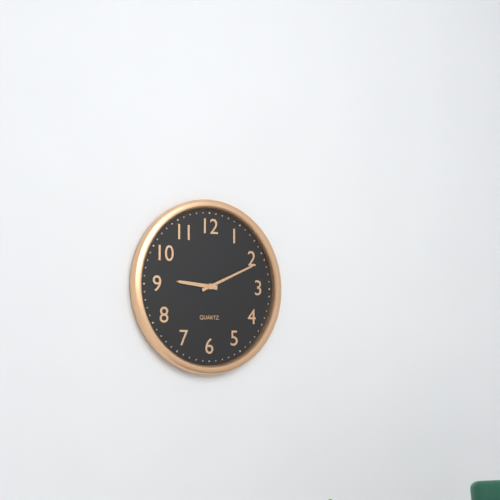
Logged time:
9h11
